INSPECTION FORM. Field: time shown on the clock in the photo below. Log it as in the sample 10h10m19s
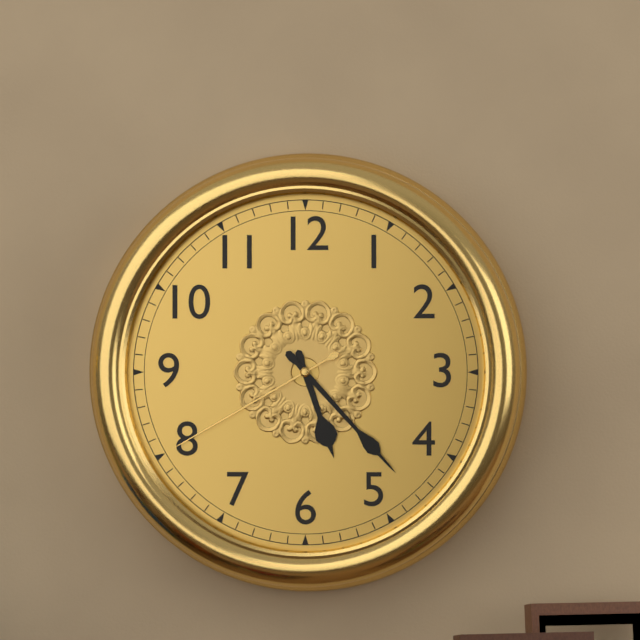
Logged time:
5h23m40s
